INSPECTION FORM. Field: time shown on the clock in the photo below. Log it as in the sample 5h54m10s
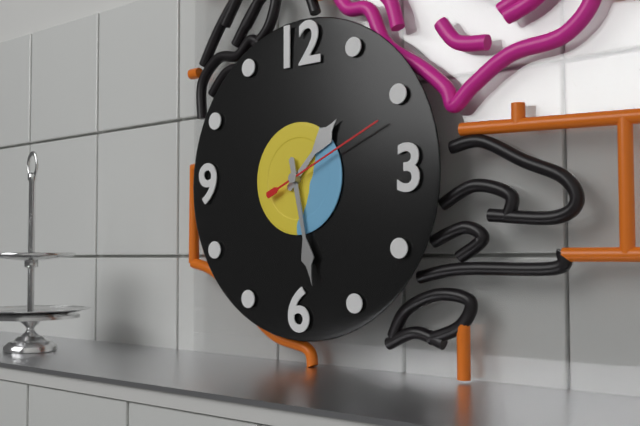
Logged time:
1h28m11s
